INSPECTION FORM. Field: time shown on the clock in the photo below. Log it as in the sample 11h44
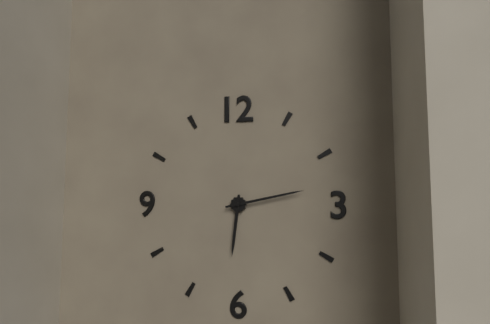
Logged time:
6h13
